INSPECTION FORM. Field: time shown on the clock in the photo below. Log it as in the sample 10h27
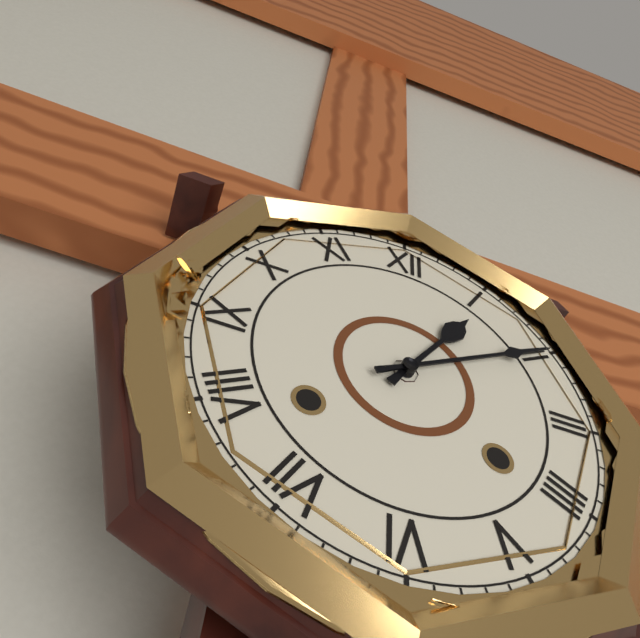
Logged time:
1h10
